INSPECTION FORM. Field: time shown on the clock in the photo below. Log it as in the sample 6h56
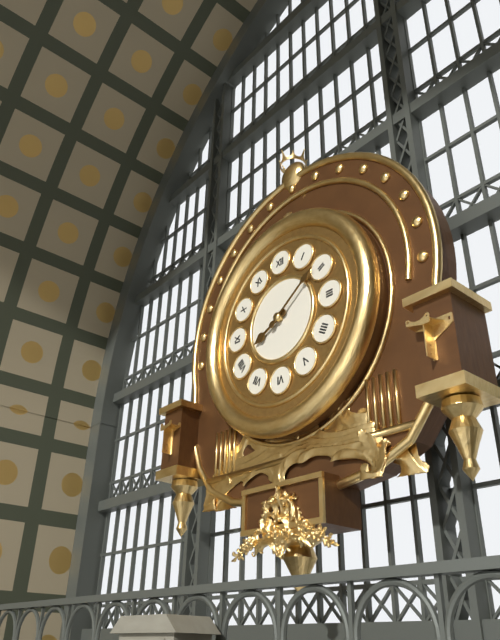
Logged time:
8h09
